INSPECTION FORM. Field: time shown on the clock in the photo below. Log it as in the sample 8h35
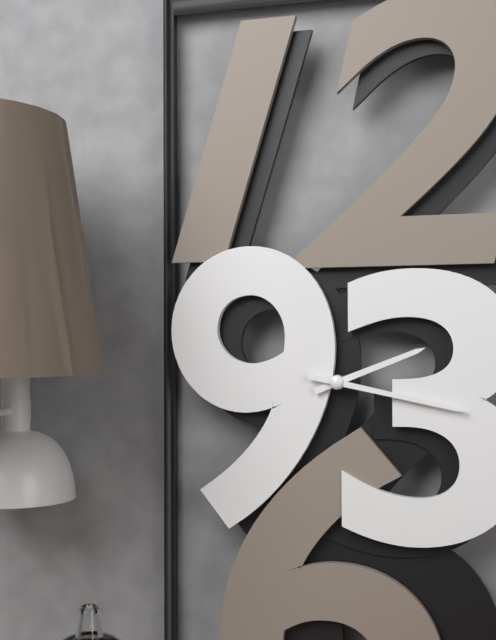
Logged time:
2h17
